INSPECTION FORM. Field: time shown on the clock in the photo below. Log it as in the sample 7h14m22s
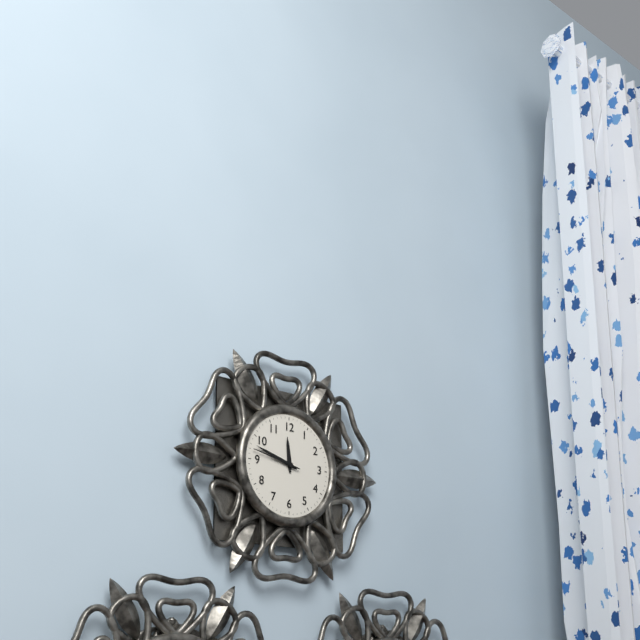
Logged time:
11h48m47s
